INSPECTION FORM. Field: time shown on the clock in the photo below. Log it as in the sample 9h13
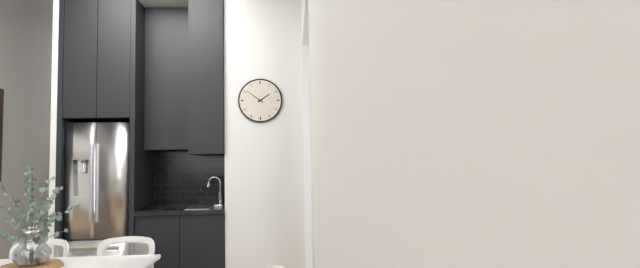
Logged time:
1h51
